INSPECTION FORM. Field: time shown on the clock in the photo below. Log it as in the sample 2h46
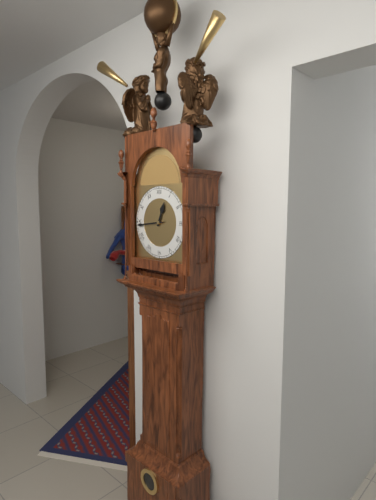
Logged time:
12h44
